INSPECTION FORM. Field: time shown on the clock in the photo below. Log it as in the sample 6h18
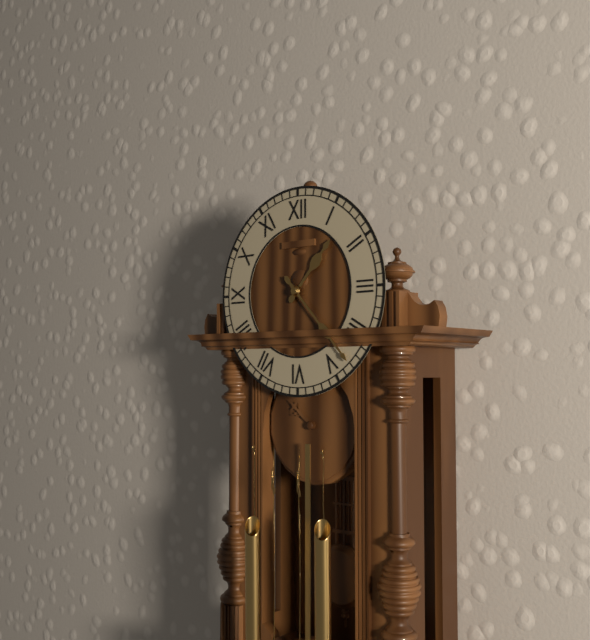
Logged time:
1h23
